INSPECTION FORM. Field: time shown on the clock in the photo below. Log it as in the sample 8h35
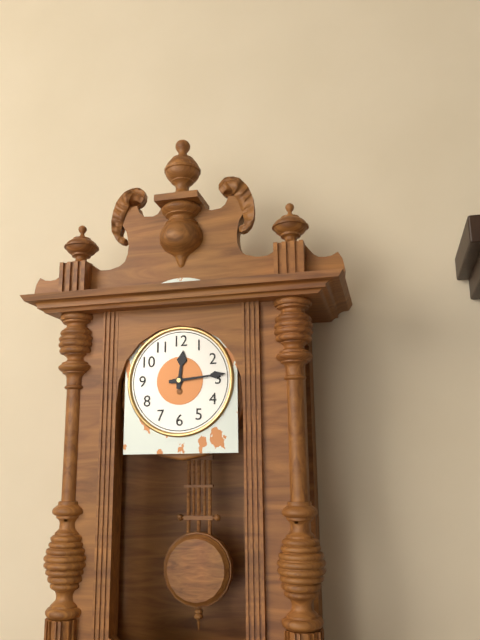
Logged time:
12h14
